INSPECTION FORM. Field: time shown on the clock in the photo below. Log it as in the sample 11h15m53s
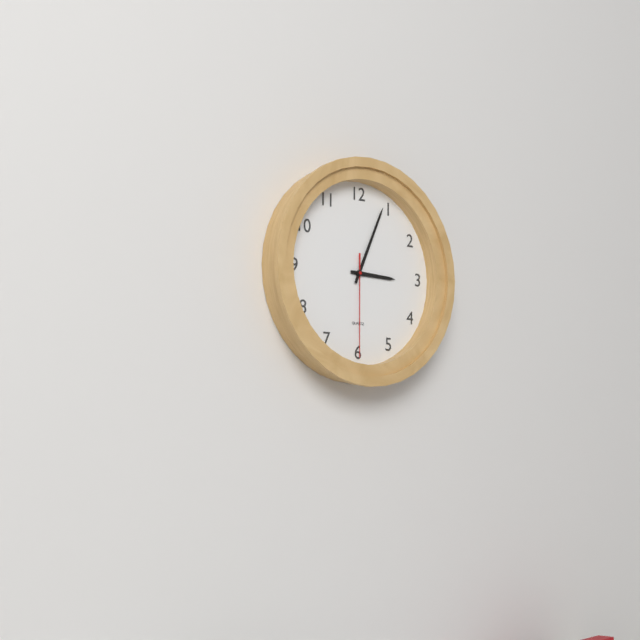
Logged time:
3h04m30s
